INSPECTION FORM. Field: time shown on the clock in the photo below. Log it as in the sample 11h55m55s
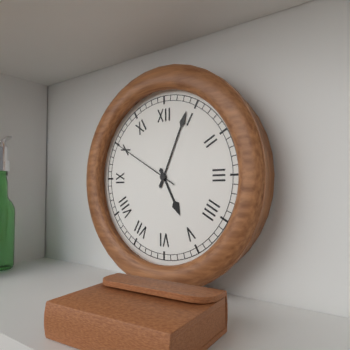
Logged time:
5h04m50s
